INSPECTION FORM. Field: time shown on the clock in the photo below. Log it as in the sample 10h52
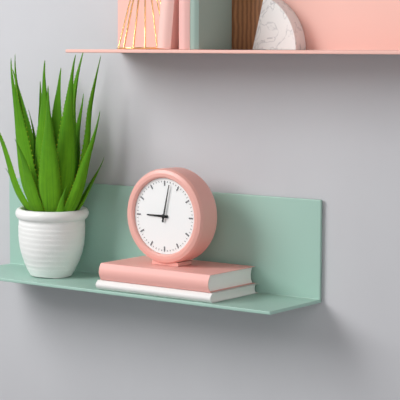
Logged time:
9h02
